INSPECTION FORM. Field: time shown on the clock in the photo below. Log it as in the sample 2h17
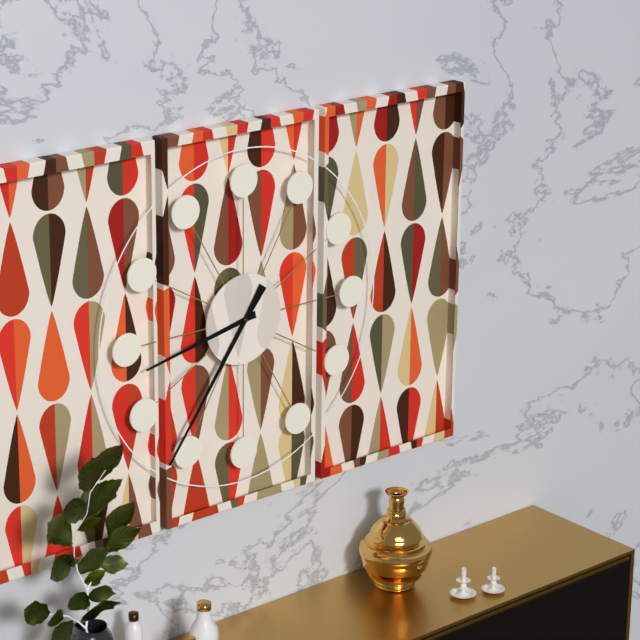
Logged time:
8h36
